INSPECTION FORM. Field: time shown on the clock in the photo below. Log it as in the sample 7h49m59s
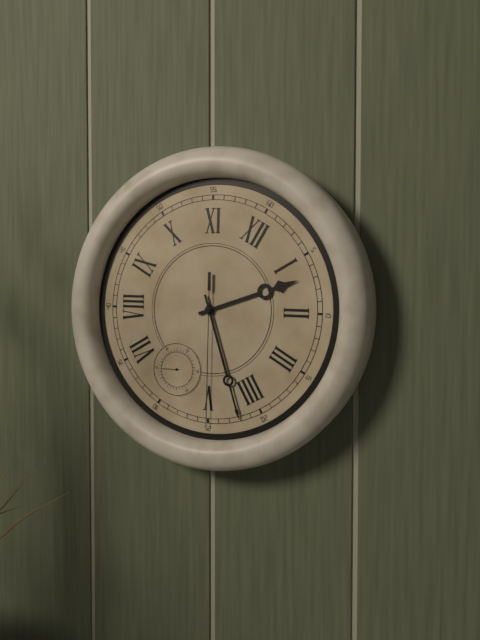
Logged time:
1h22m25s
